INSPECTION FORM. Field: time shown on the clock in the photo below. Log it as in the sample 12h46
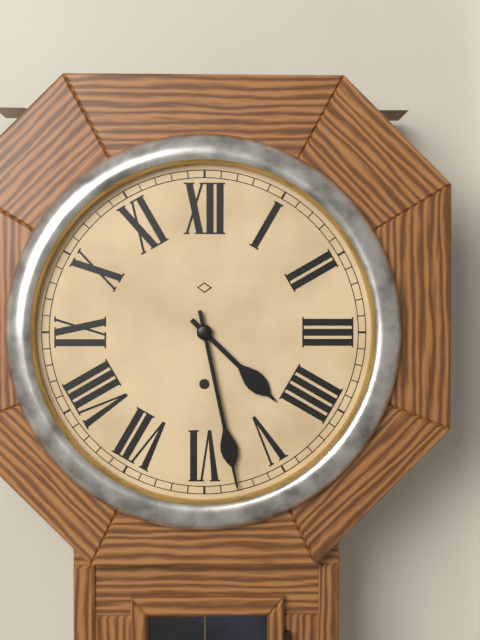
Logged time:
4h28
